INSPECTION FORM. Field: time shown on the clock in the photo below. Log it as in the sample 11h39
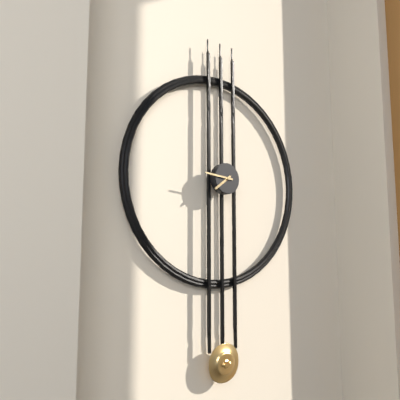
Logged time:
7h46
